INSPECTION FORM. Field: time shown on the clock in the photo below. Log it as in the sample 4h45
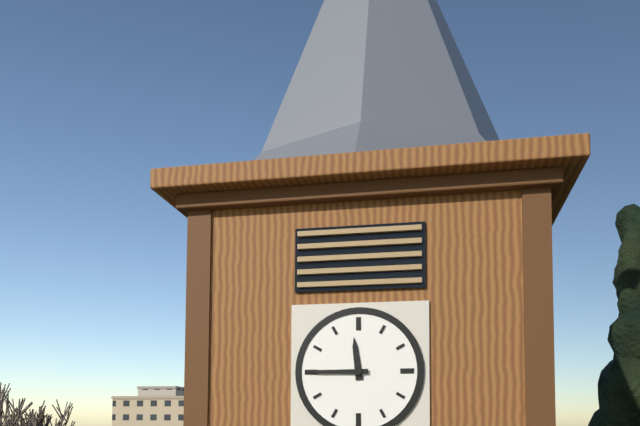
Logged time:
11h45
